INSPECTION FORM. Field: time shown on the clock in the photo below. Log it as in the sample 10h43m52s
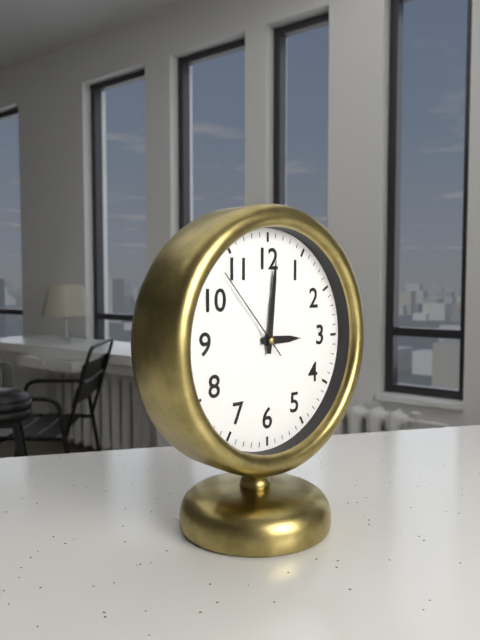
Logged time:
3h01m53s
